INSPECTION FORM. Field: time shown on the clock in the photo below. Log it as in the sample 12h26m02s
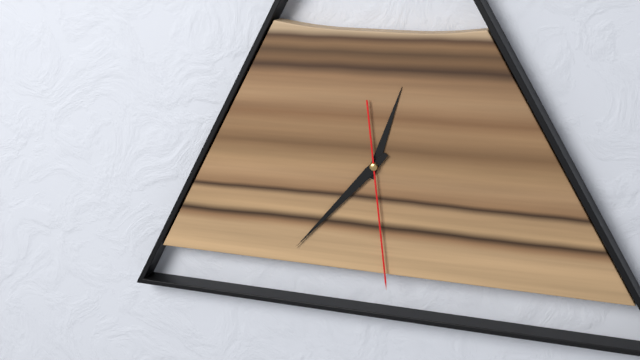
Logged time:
12h37m29s
